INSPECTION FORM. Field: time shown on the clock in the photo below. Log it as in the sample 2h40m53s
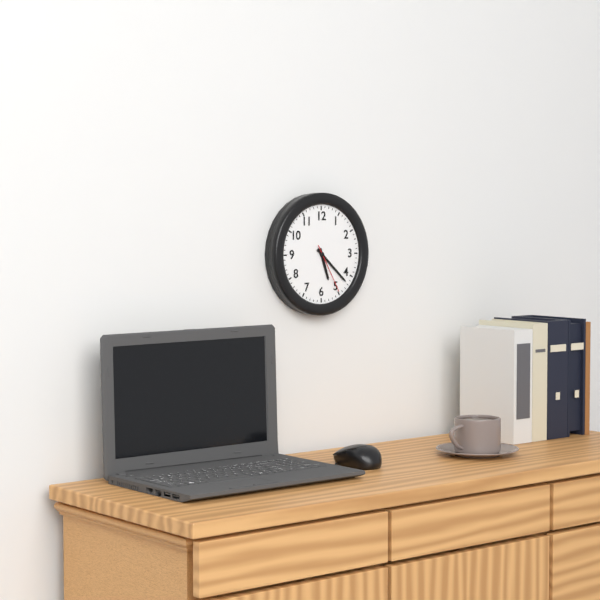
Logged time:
5h22m25s
